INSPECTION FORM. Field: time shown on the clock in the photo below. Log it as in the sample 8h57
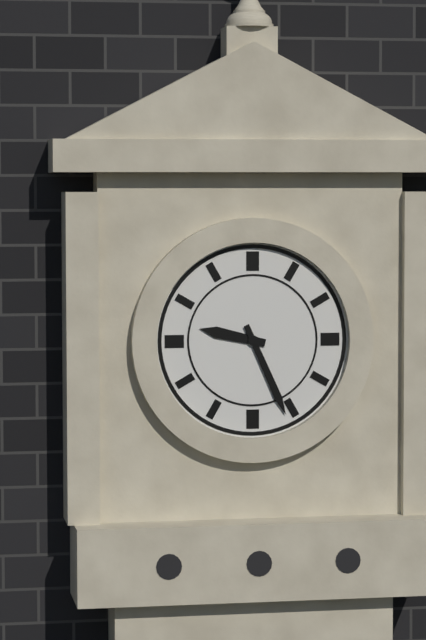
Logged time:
9h26
